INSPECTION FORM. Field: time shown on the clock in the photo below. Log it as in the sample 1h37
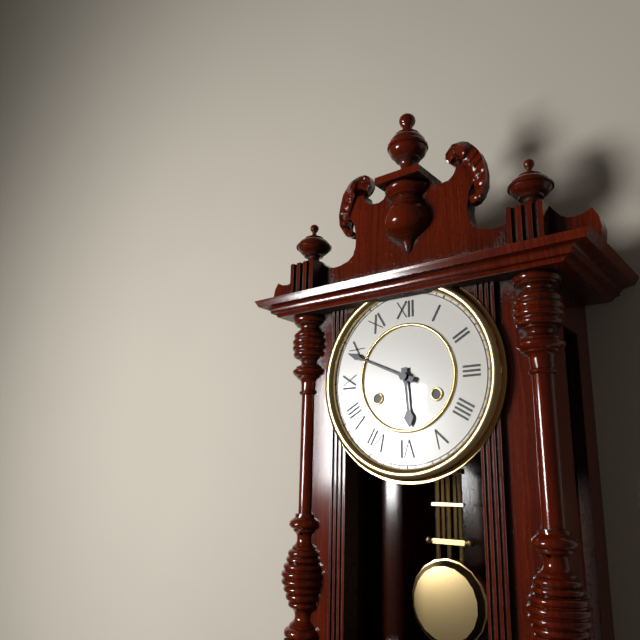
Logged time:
5h49
